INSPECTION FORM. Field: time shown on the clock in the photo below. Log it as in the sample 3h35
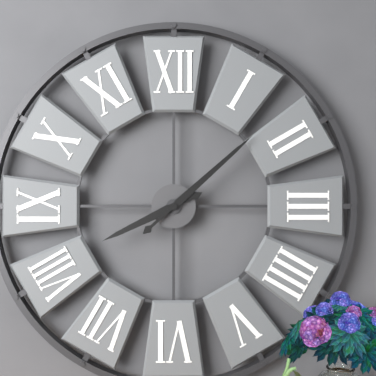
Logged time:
8h08
